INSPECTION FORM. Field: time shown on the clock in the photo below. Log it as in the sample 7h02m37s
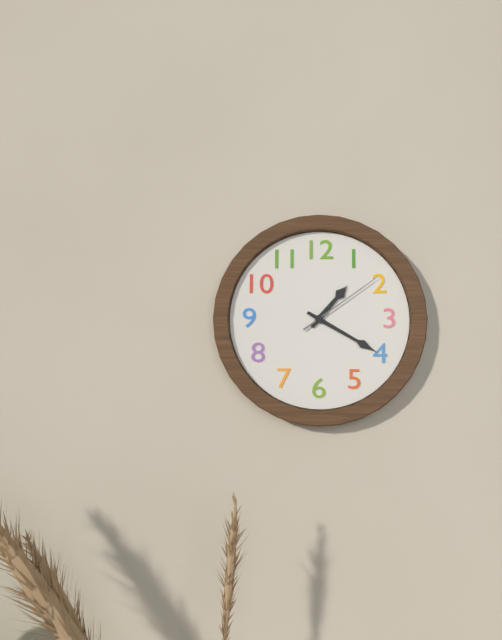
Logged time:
1h20m09s
